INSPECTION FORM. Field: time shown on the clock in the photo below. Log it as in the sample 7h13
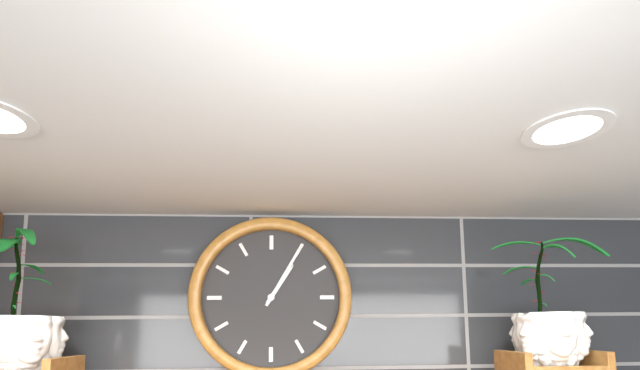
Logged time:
1h05
